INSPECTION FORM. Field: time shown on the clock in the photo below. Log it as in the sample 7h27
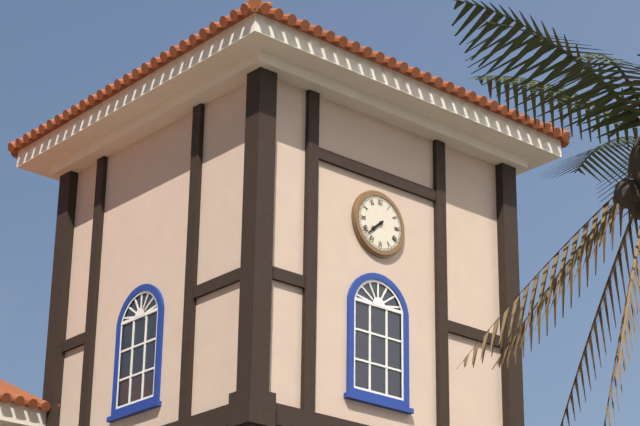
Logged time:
7h38
